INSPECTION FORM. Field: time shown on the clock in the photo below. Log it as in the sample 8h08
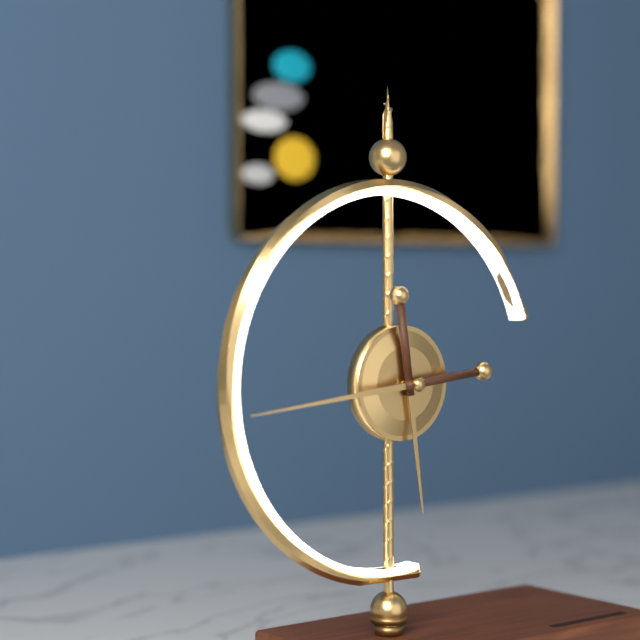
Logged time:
5h44
